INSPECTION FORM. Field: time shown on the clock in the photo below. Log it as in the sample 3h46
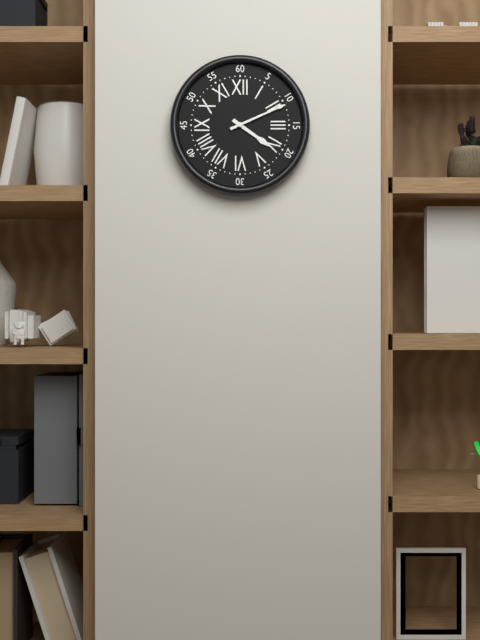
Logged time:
4h11
